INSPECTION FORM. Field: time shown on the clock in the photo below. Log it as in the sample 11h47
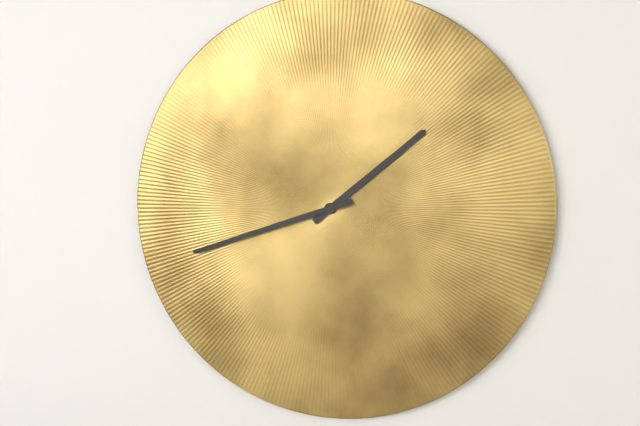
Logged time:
1h42
